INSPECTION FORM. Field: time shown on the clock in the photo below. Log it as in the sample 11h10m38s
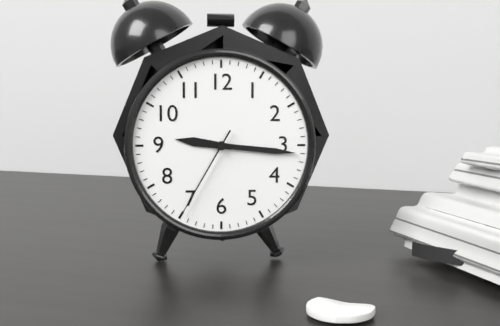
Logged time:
9h16m35s
